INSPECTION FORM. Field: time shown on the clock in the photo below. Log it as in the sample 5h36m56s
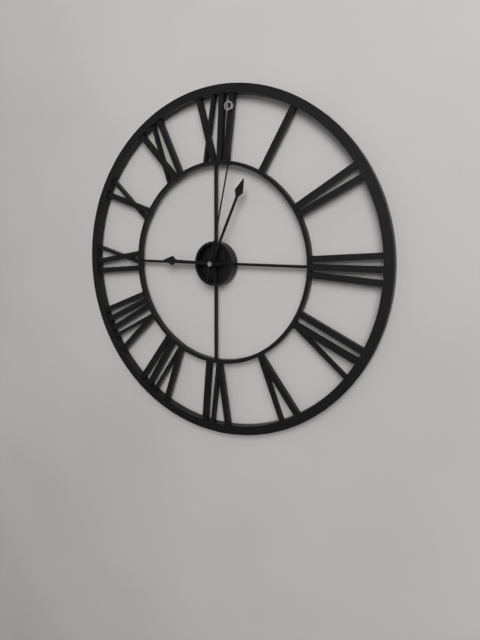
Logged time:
9h04m02s
